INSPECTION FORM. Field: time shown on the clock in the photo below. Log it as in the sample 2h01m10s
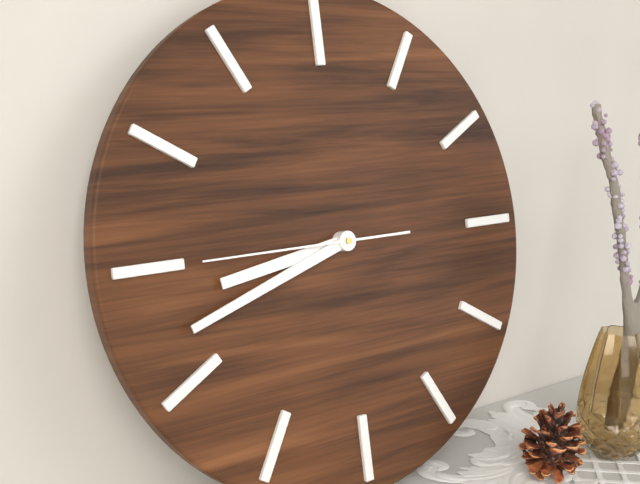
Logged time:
8h42m45s
